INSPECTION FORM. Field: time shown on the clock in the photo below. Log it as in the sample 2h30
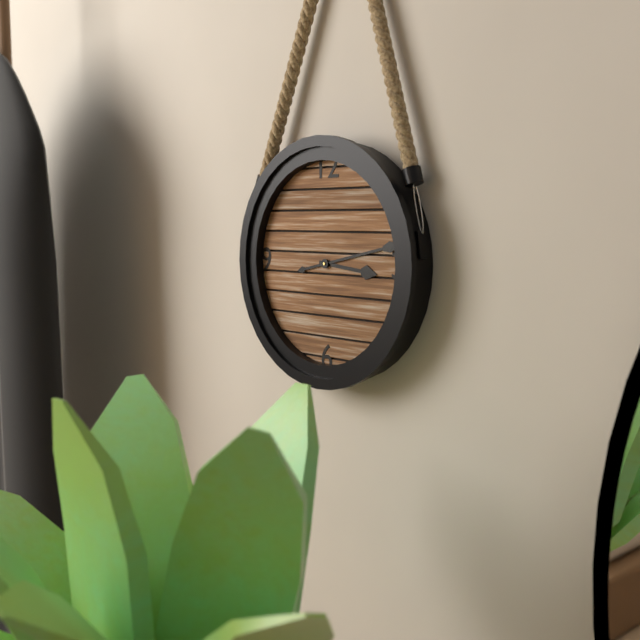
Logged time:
3h13
